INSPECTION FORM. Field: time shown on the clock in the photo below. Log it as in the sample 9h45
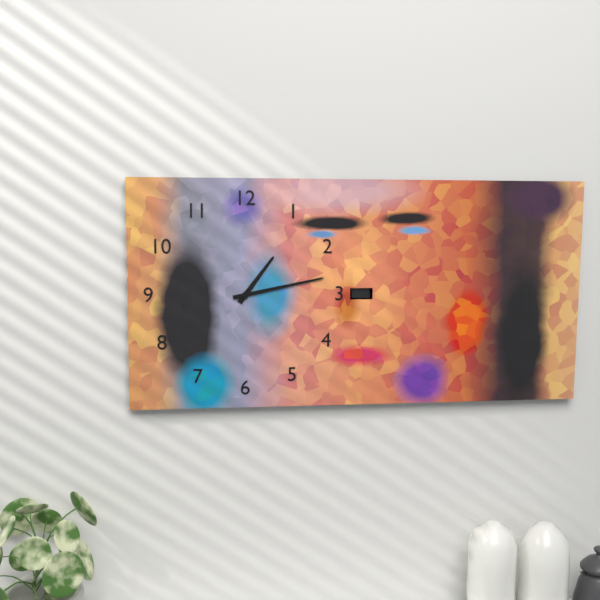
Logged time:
1h13
